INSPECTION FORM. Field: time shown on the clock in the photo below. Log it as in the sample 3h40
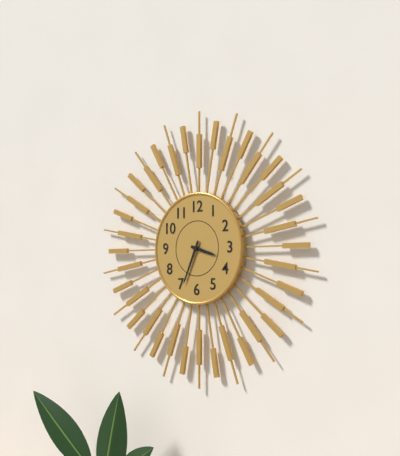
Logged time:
3h34
